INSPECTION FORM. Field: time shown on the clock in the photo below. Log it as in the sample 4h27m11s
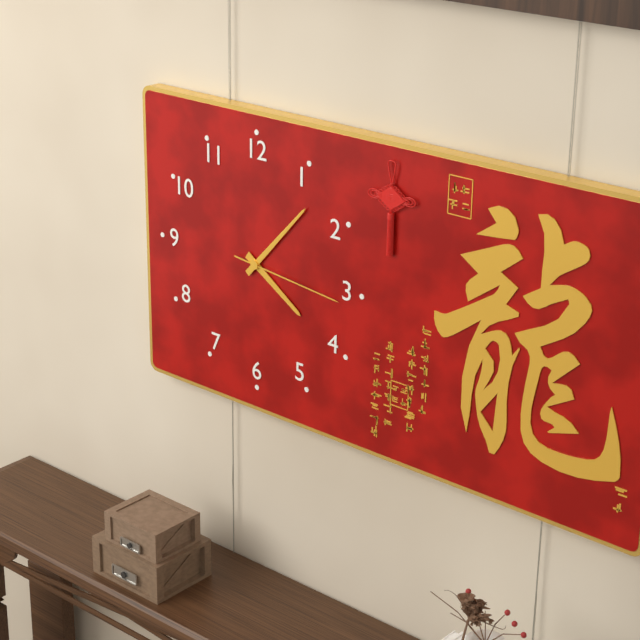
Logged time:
4h07m16s
